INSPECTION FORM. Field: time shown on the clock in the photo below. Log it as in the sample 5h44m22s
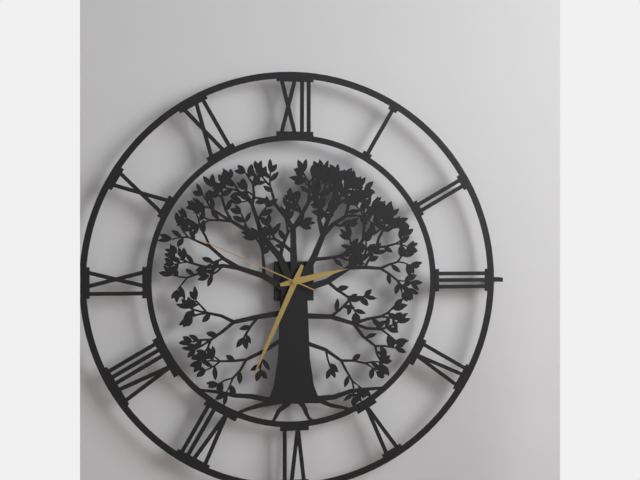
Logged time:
2h34m49s
